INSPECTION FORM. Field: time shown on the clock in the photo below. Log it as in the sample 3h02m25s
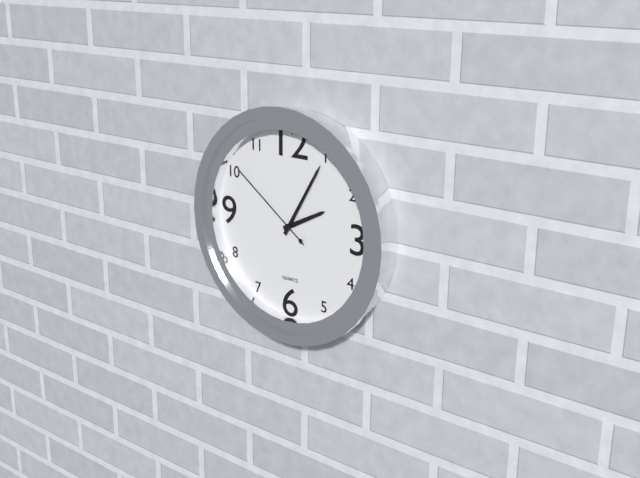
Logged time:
2h05m51s
